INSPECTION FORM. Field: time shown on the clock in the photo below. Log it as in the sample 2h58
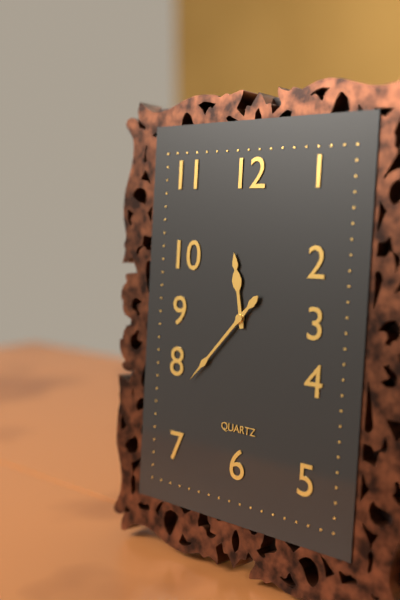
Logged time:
11h37
